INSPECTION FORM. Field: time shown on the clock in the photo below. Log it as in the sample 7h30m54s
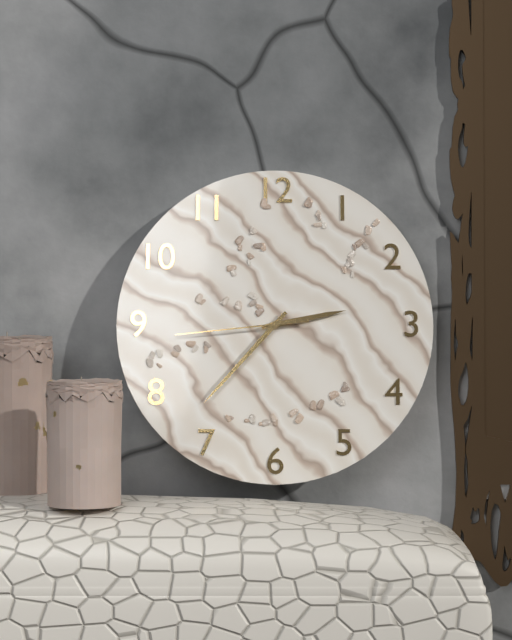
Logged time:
2h37m44s
